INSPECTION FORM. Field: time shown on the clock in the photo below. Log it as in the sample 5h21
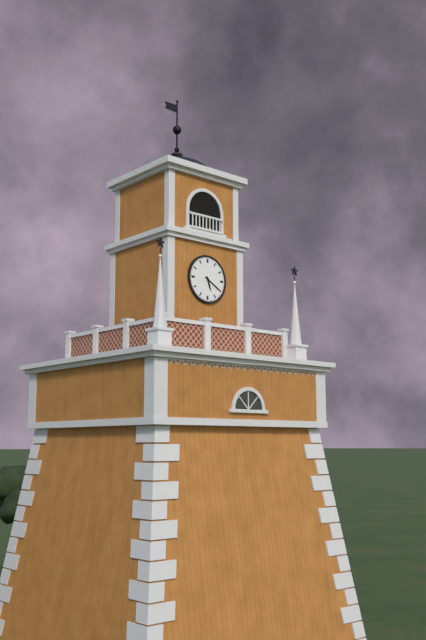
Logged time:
5h20
